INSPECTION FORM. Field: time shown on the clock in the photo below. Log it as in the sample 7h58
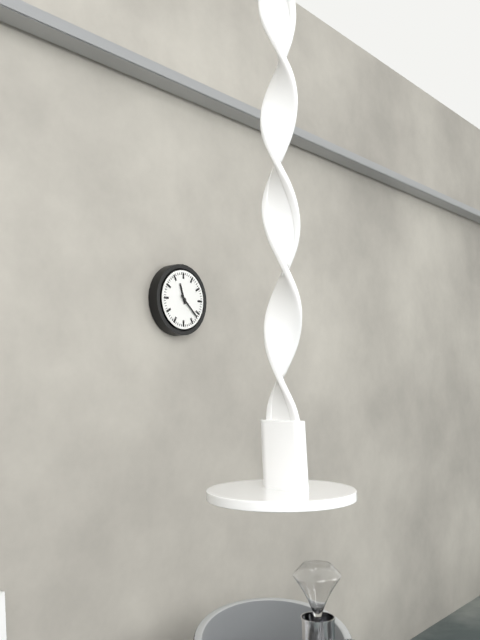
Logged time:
11h22
